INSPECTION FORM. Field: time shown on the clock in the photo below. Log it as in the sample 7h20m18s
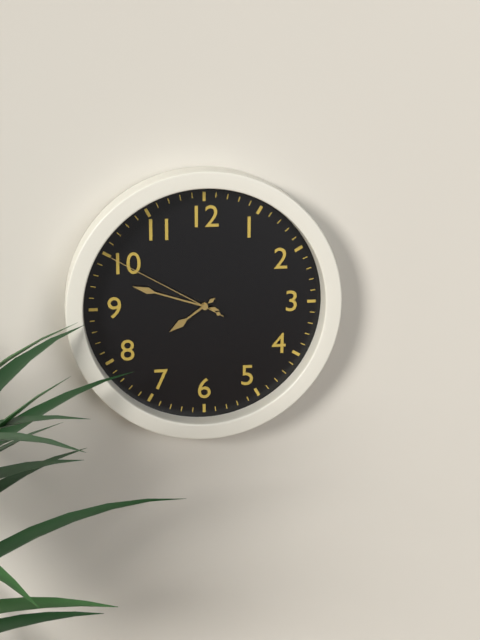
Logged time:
7h48m50s
